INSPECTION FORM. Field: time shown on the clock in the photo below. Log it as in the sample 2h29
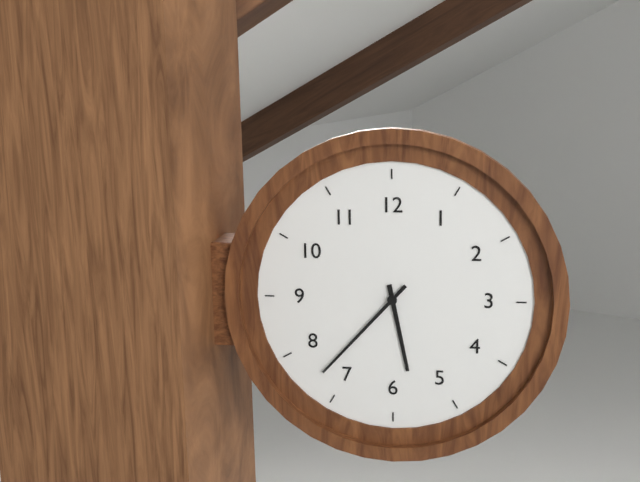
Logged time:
5h37
